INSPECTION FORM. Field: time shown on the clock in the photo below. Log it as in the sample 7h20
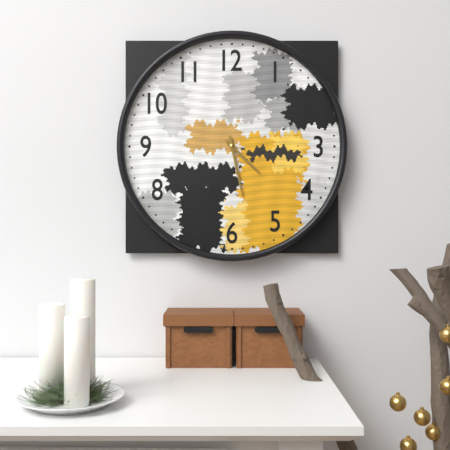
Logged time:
4h28
